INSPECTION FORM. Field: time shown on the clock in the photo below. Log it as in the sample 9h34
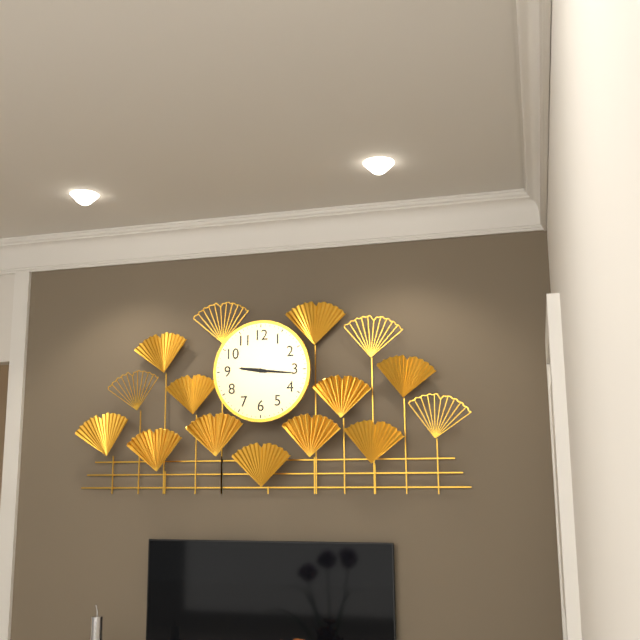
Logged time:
9h16
